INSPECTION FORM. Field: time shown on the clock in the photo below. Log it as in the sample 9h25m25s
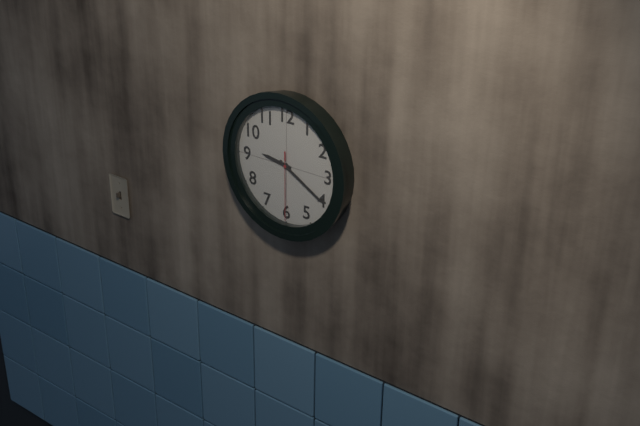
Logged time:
9h20m30s
